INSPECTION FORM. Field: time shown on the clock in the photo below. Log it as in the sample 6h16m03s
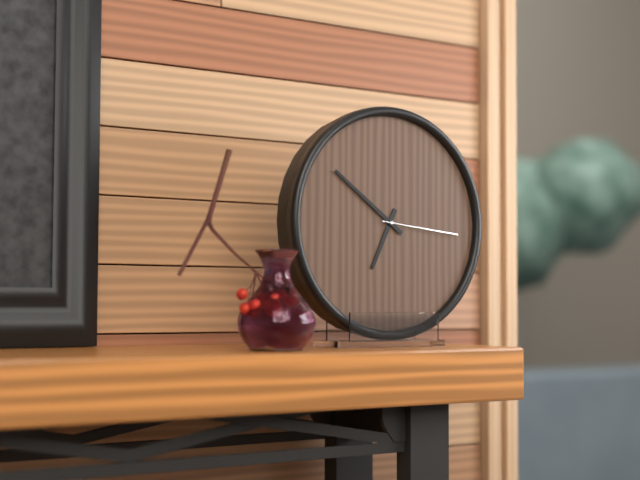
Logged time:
6h51m16s
